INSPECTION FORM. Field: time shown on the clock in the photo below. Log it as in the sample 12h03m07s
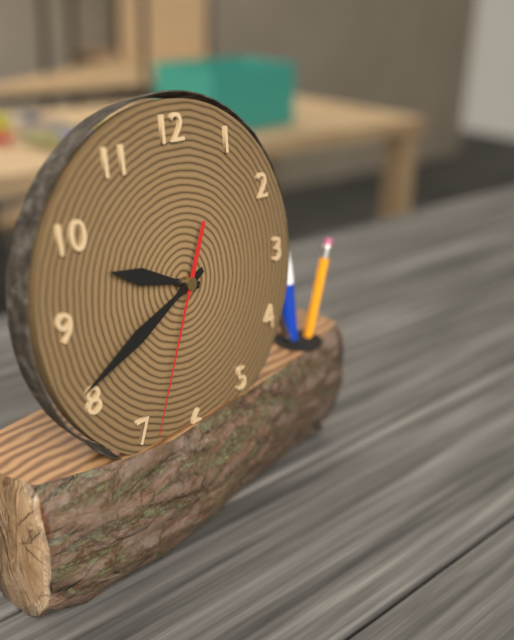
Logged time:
9h41m34s
